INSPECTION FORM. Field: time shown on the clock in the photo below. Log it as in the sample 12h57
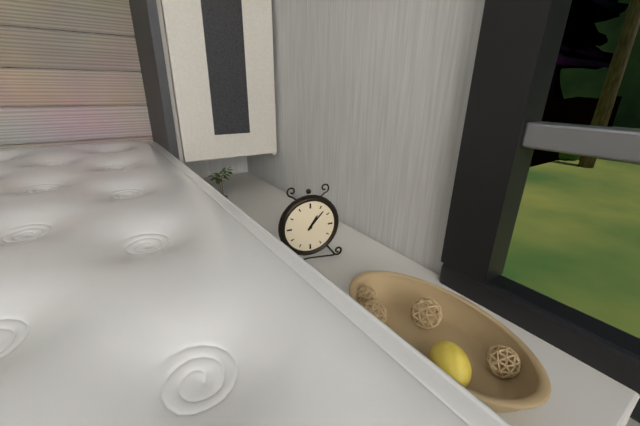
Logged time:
1h07
